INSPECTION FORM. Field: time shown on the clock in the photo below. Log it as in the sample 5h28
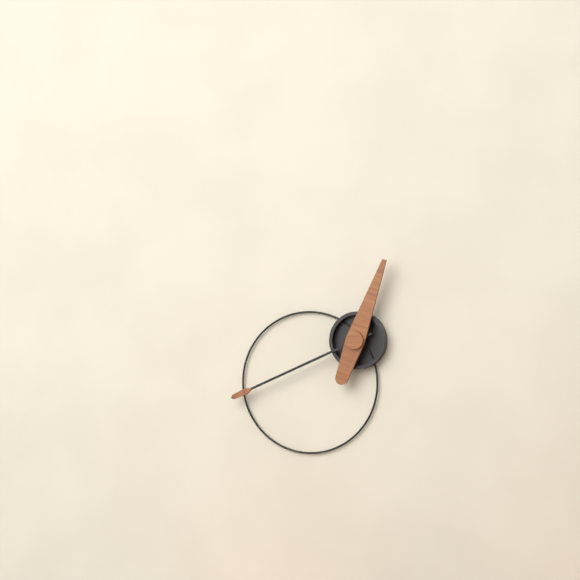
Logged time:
12h41
